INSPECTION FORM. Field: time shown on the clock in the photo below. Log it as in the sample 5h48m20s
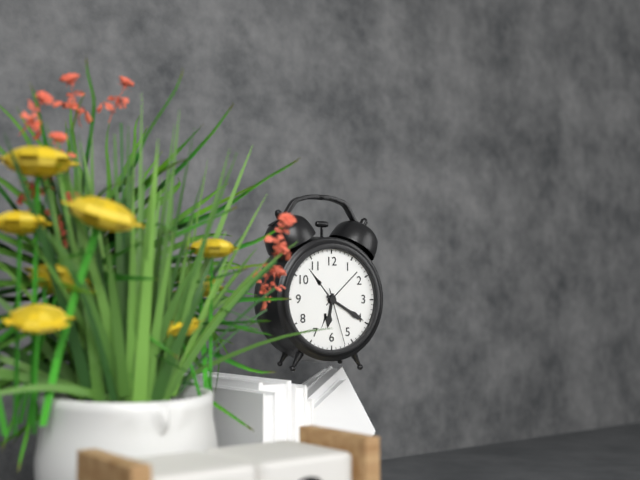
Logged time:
6h20m27s
